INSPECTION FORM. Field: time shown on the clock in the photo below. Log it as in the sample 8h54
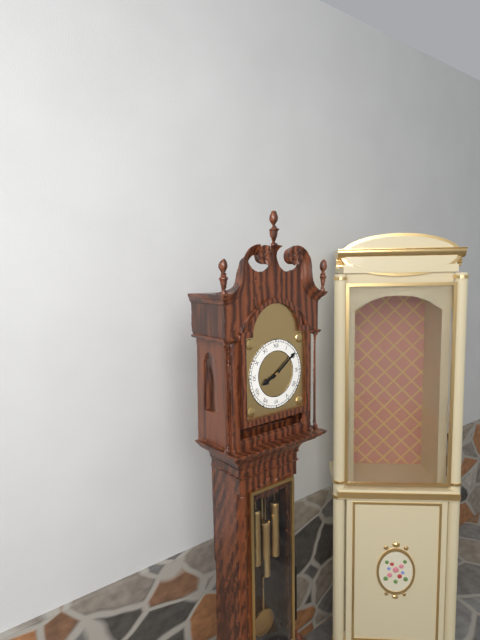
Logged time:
8h09
